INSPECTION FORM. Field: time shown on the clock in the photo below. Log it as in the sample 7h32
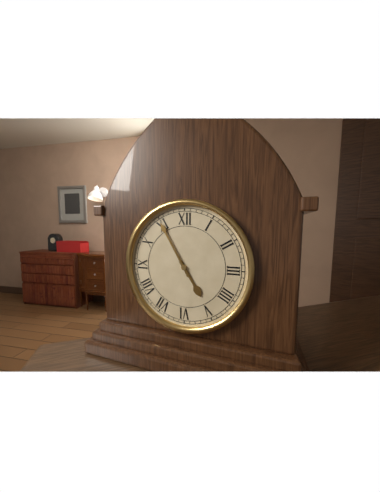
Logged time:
4h55
